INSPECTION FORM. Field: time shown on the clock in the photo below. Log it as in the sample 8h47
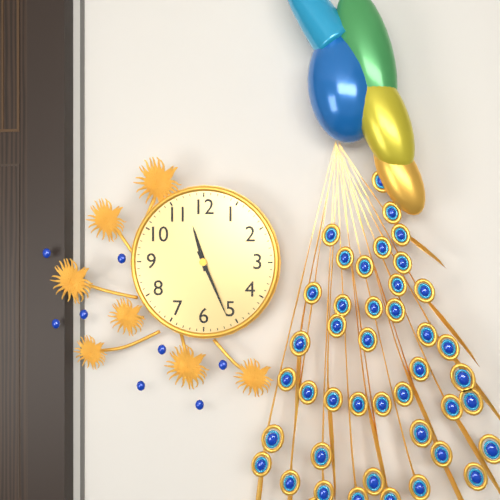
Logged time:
11h26
